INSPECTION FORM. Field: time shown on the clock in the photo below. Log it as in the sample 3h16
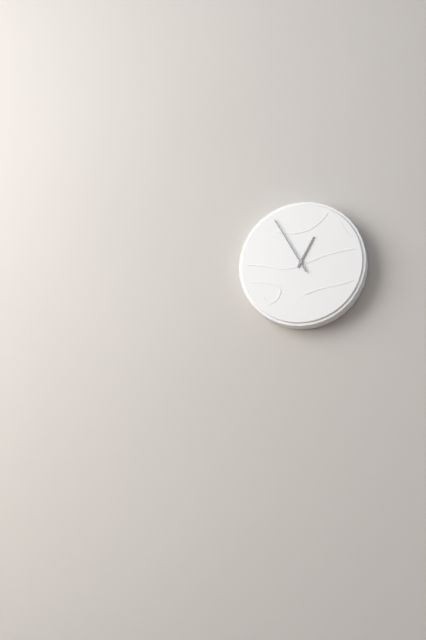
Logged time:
12h55
